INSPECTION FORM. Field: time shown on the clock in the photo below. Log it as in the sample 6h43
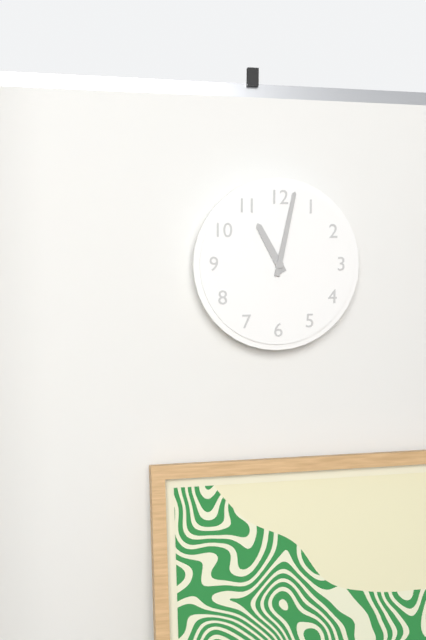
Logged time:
11h02
